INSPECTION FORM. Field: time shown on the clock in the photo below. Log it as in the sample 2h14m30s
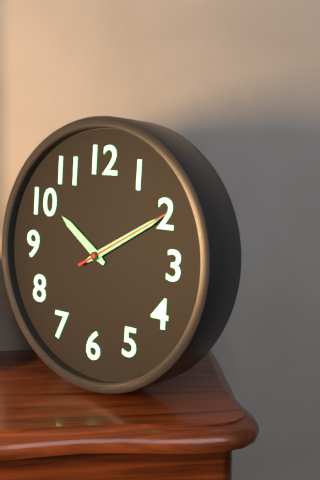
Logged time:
10h10m10s
